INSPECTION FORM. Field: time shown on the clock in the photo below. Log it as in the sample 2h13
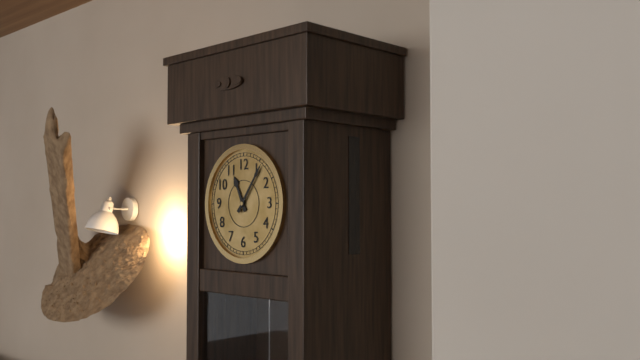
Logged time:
11h06
